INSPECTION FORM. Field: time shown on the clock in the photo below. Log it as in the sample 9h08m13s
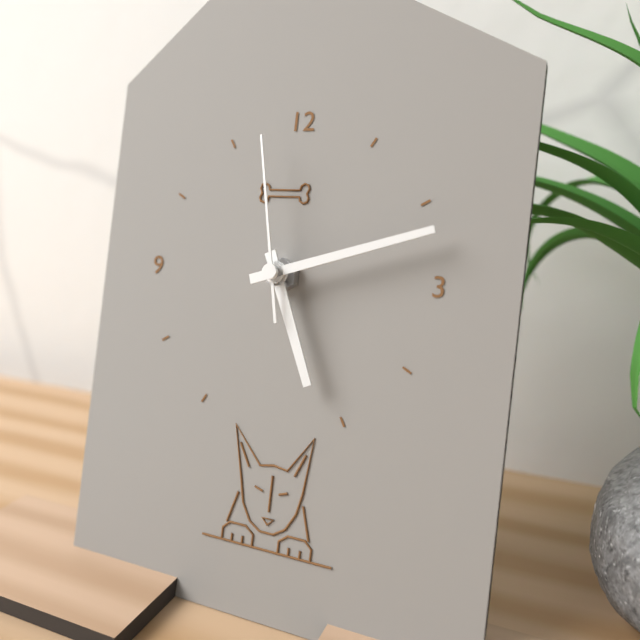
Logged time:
5h12m58s
